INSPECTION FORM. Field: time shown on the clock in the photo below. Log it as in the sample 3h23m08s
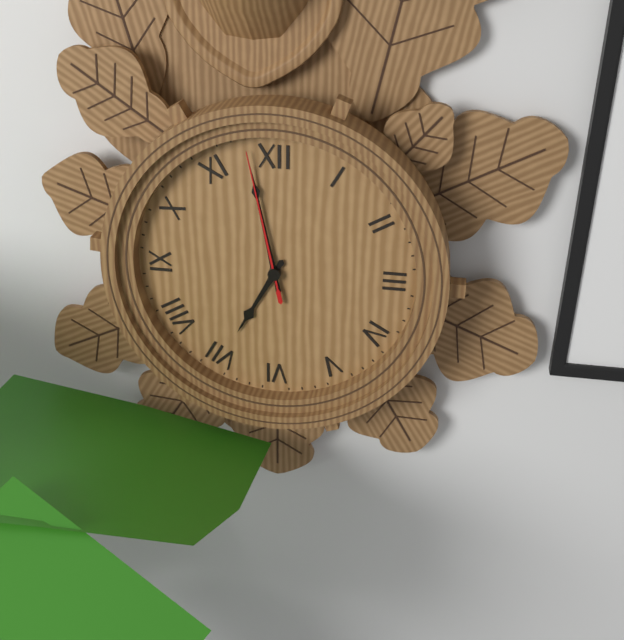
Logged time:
6h58m58s
